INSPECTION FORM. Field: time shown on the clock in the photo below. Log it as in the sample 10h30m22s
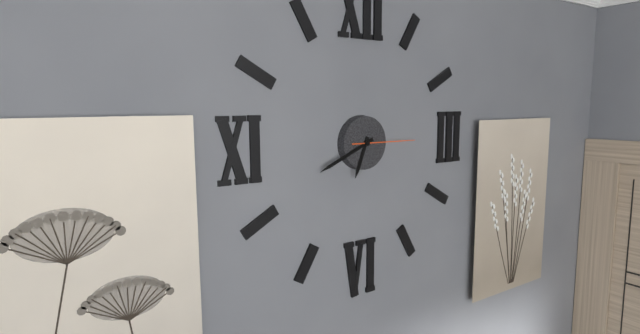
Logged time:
6h41m15s
